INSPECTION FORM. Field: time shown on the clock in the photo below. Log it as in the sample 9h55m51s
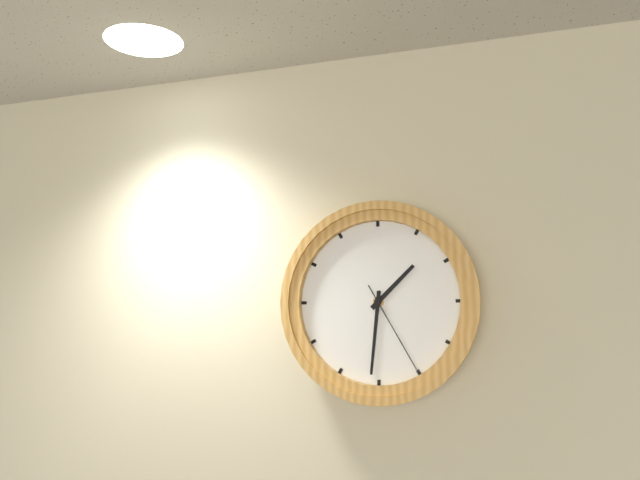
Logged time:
1h31m25s
